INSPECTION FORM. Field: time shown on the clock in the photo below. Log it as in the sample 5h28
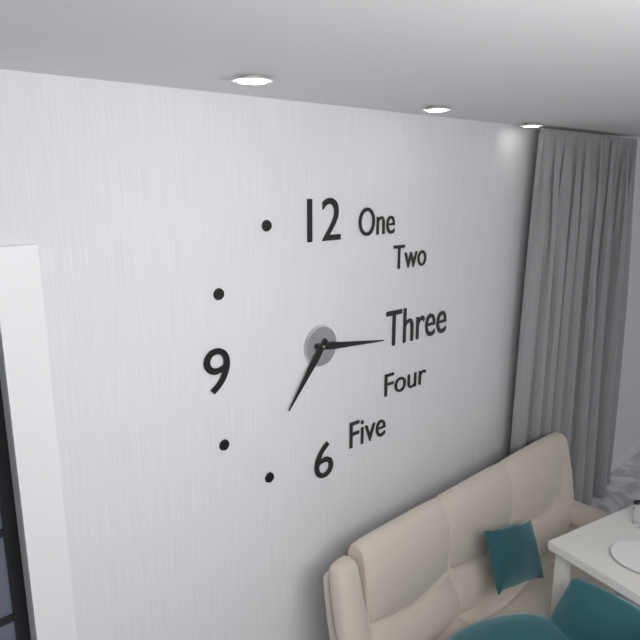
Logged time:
7h16
